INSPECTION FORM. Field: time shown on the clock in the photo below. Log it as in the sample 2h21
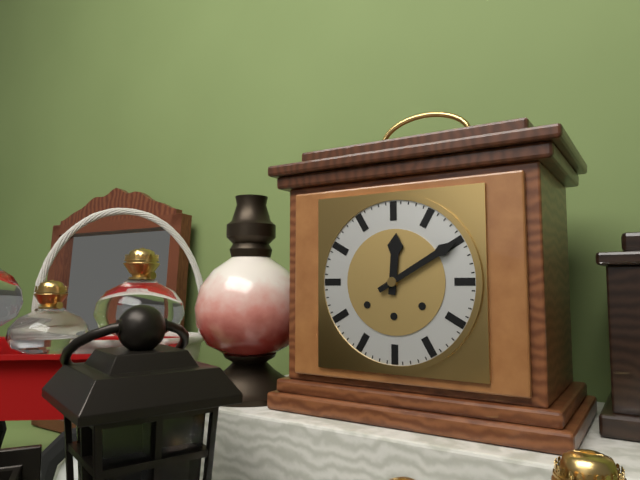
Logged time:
12h10
